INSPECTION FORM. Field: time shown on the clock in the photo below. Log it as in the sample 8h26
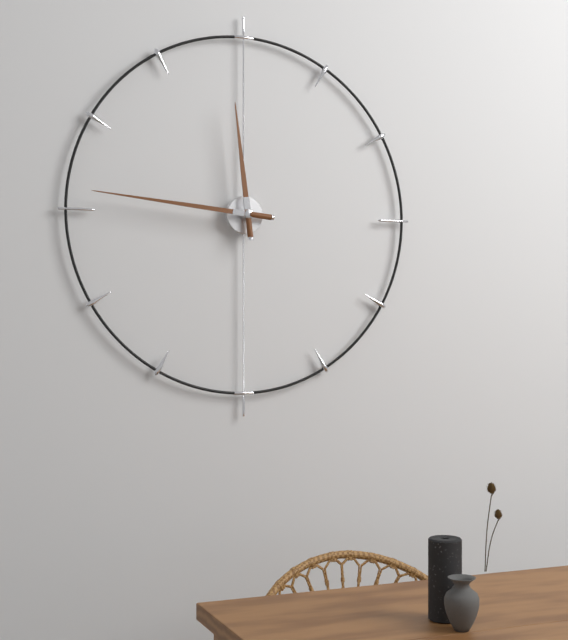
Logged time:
11h46
